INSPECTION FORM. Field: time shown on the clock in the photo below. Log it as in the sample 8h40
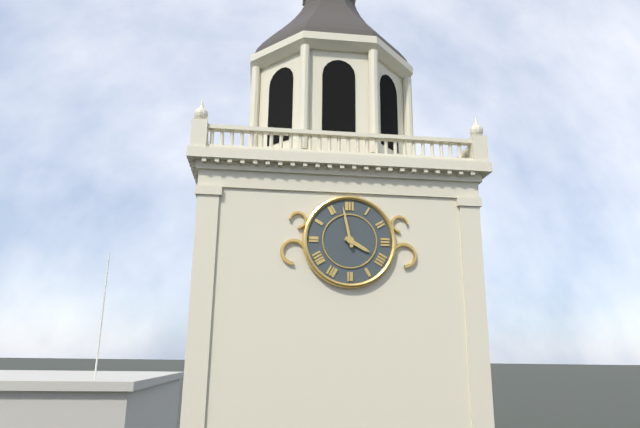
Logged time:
3h58
